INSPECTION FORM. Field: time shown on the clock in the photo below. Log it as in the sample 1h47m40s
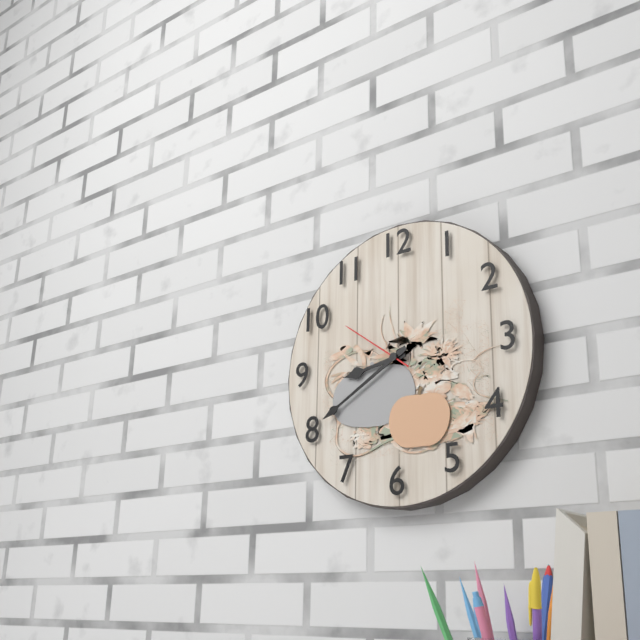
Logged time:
8h40m51s
